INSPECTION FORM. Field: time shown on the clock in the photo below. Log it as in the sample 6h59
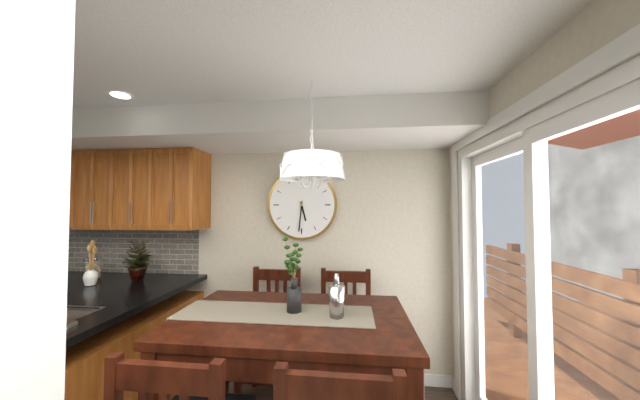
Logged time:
5h31
